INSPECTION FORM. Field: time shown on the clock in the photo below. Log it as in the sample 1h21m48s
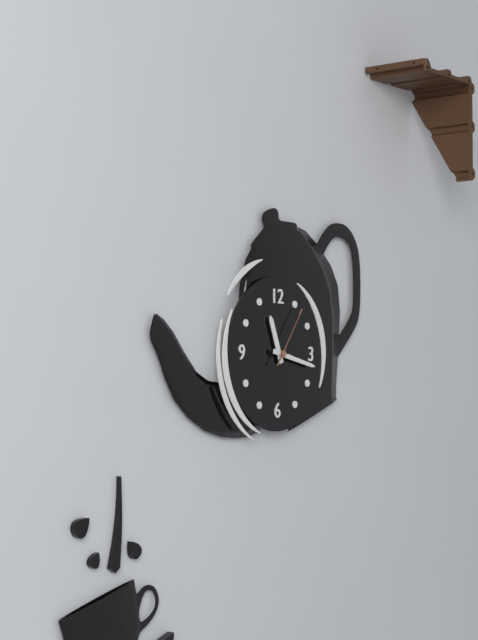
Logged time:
11h17m06s
